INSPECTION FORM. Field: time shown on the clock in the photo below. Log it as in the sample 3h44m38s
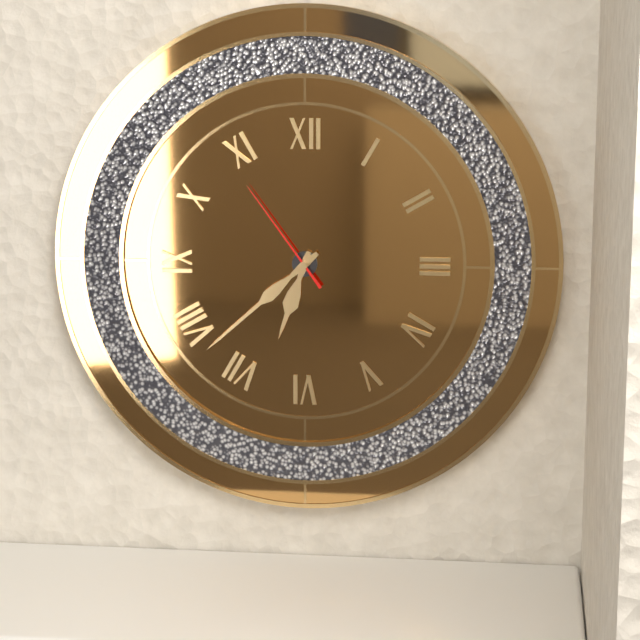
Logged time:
6h38m54s
